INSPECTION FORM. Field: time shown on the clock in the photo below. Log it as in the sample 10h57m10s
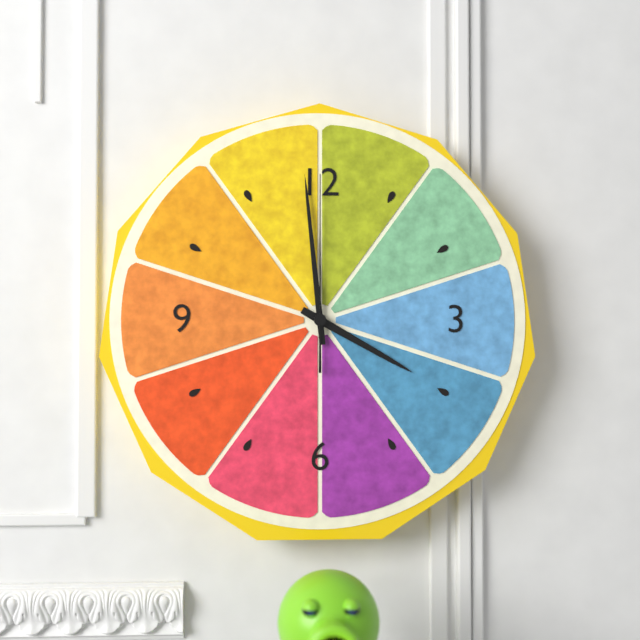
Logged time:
3h59m00s
